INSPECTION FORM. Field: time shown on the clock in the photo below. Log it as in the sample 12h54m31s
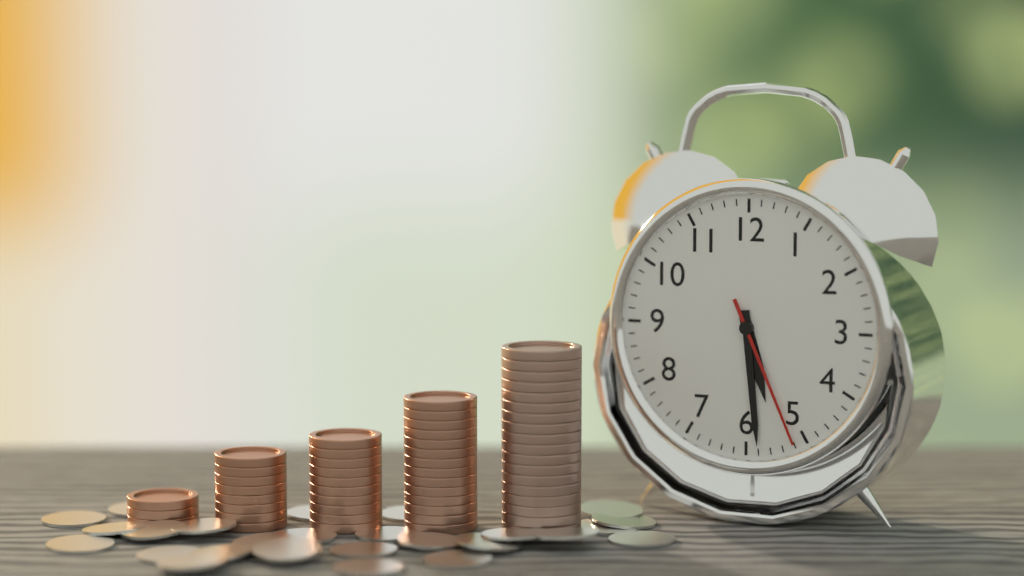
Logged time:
5h29m26s
